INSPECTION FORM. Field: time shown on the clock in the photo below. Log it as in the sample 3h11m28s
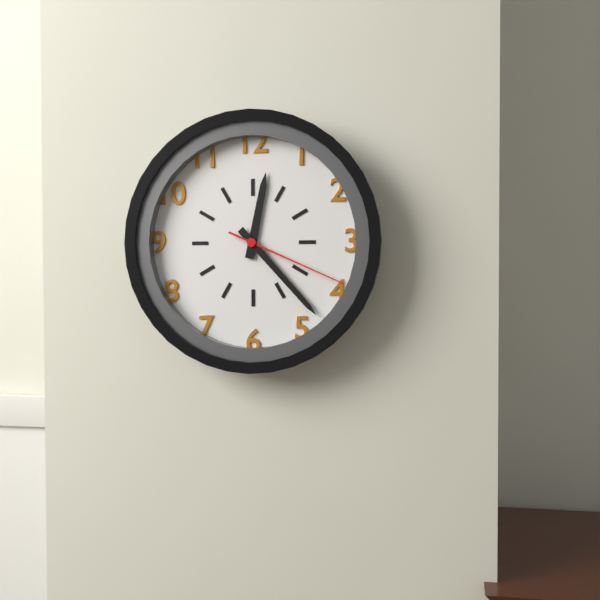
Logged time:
12h23m19s
